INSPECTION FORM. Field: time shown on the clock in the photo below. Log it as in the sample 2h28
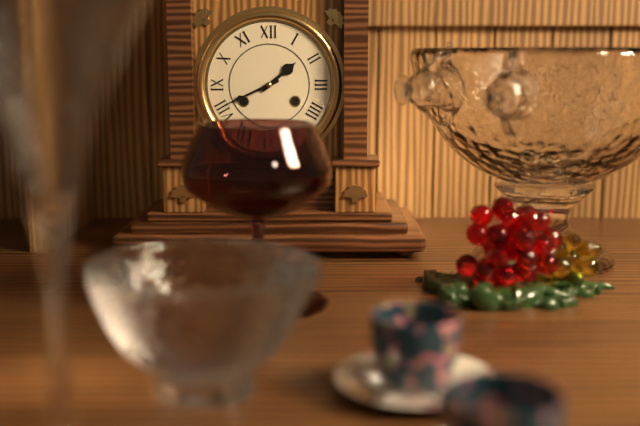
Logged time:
1h41
